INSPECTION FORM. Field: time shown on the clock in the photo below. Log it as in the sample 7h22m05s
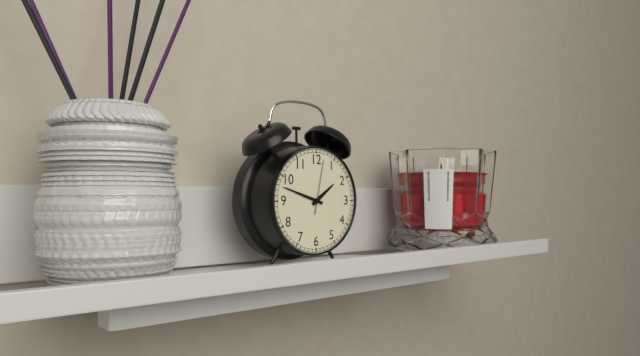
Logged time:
1h48m02s
